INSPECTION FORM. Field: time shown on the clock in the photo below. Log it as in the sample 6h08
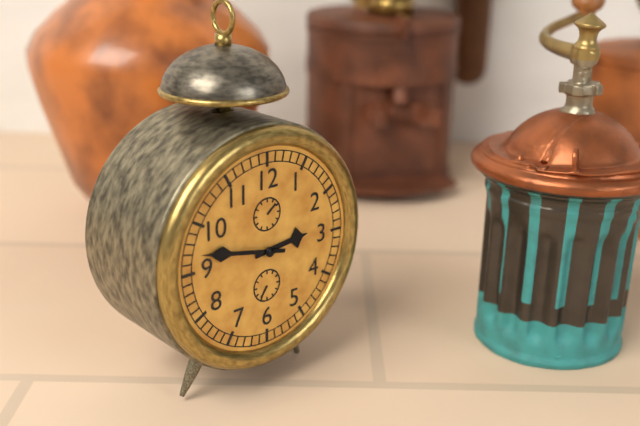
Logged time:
2h47
